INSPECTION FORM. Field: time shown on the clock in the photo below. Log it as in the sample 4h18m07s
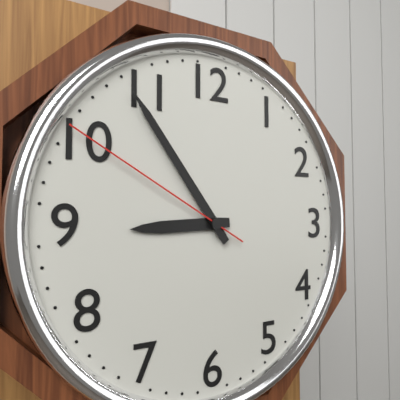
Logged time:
8h54m50s
